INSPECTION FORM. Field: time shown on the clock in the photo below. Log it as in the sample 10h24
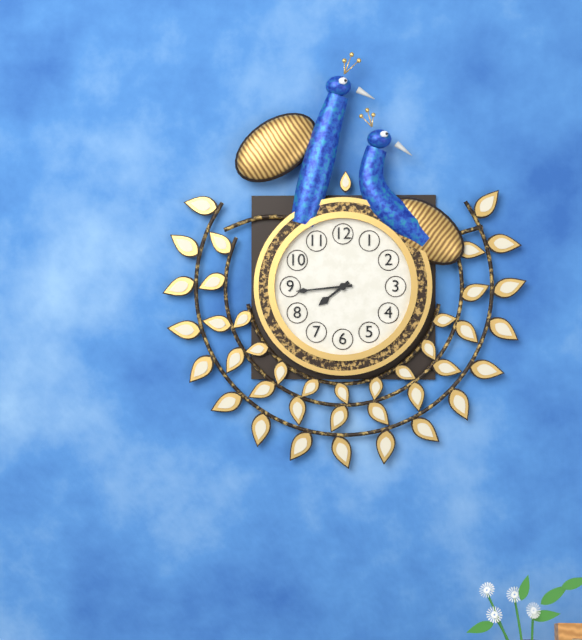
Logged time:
7h44
